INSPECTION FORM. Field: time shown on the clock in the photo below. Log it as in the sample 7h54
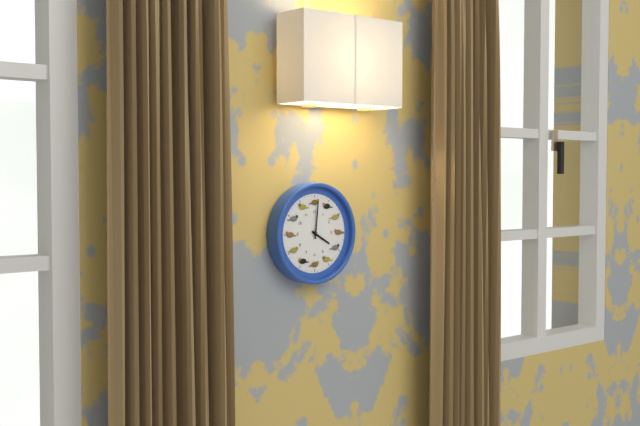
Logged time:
4h01
